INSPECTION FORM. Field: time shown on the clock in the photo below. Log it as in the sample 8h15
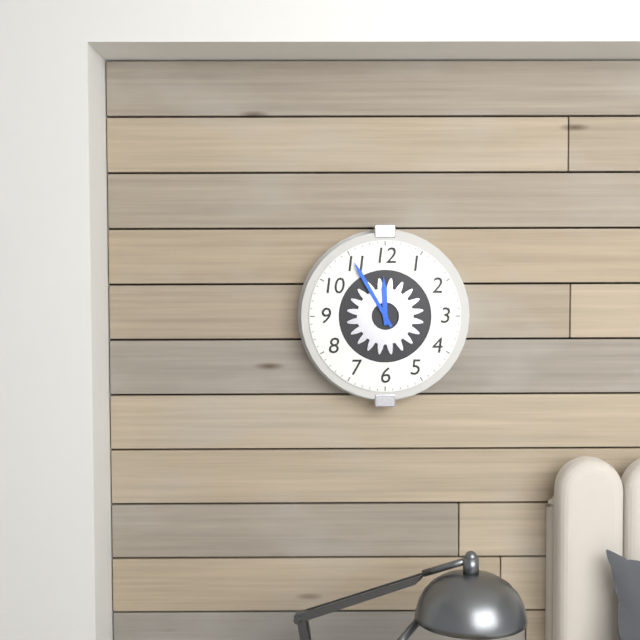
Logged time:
11h55
